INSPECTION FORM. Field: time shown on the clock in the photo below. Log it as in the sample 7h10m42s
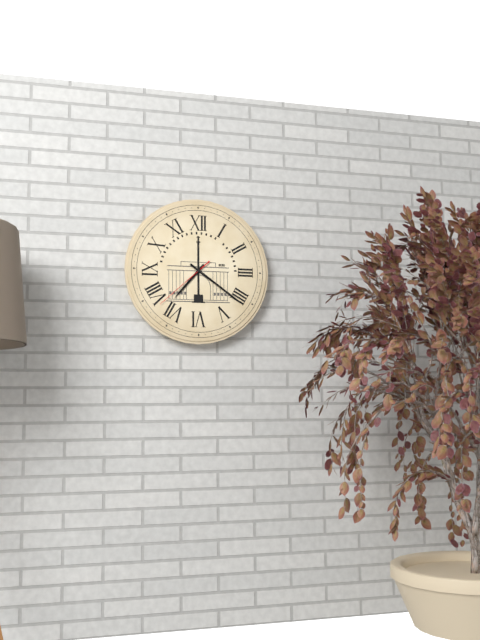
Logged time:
7h21m38s
